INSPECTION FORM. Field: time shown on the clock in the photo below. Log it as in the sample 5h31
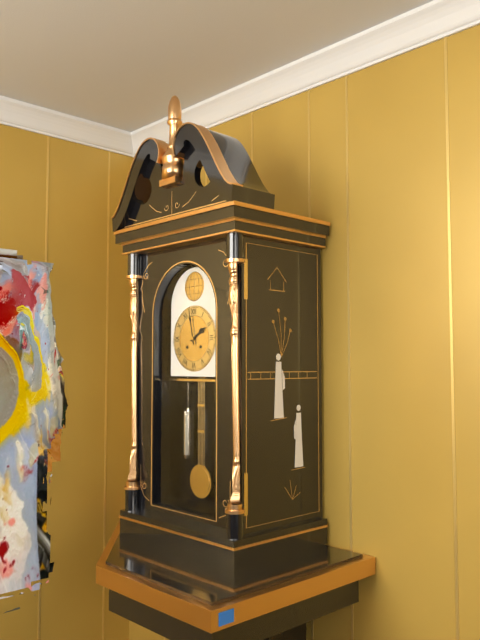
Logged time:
1h58
